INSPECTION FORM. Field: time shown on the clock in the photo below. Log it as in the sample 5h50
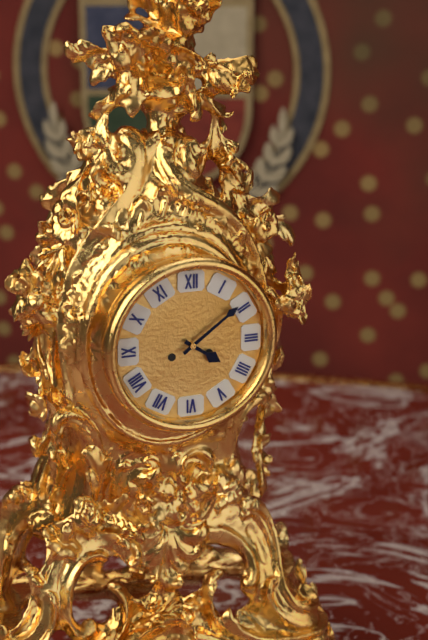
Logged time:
4h09
